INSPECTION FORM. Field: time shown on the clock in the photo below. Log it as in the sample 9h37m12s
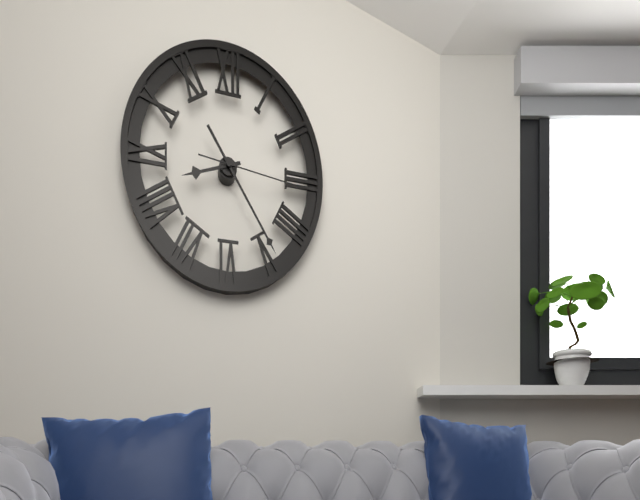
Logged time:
8h24m16s
